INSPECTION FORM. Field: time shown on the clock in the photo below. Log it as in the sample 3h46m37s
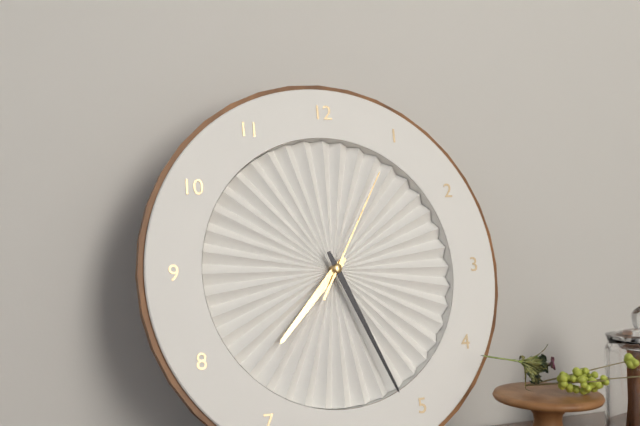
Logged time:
7h26m05s
